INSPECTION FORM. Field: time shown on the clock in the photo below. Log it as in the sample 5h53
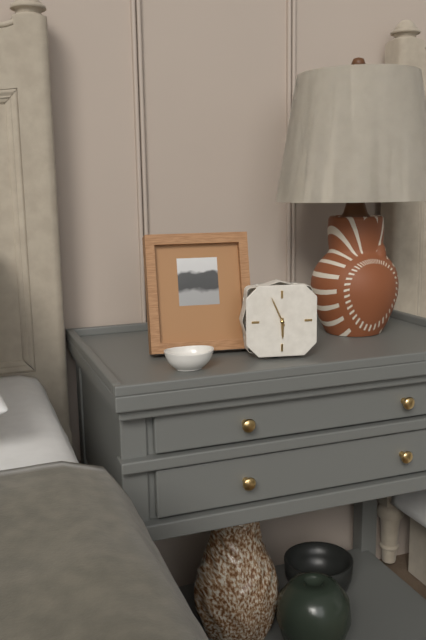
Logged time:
5h56
